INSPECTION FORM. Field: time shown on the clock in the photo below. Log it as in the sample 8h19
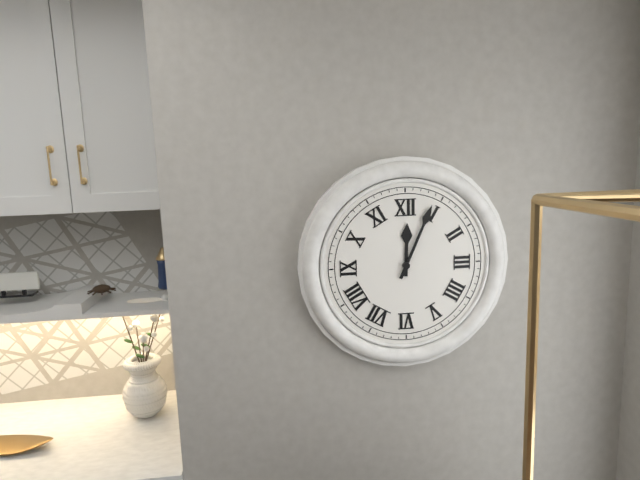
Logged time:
12h04
